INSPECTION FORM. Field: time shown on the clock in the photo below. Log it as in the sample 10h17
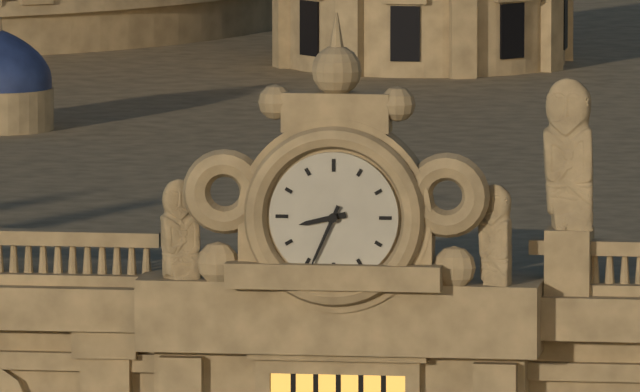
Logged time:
8h34
